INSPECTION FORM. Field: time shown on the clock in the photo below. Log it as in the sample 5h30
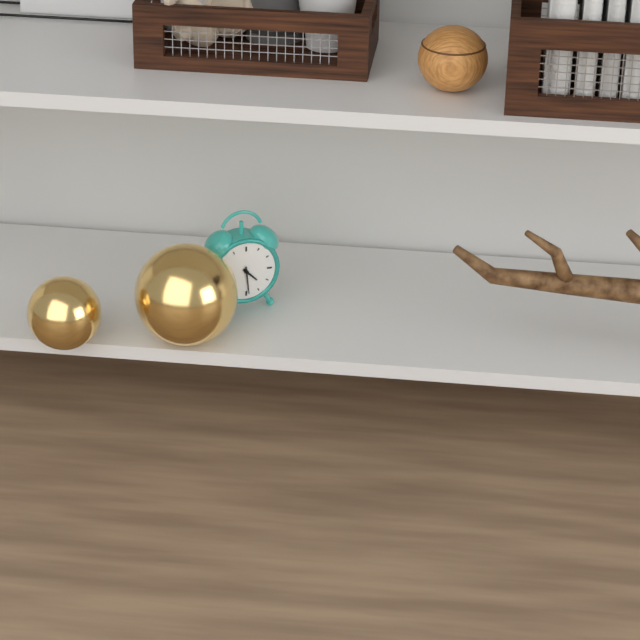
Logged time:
4h29
